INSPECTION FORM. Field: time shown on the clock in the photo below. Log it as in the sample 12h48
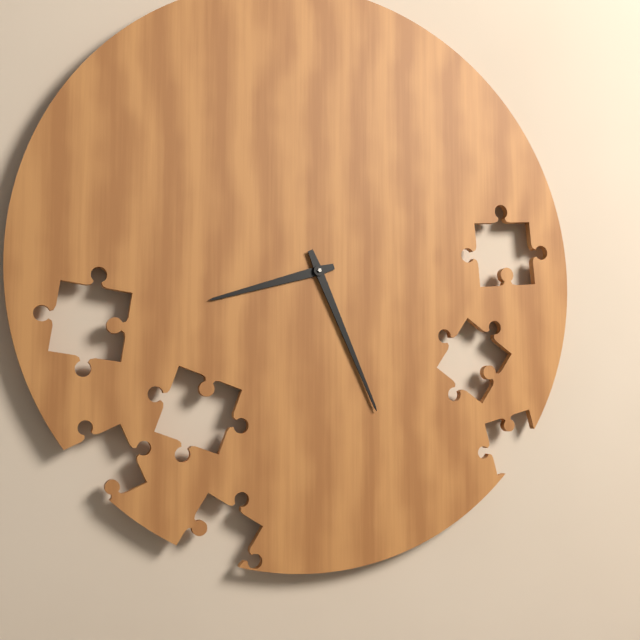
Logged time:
8h26
